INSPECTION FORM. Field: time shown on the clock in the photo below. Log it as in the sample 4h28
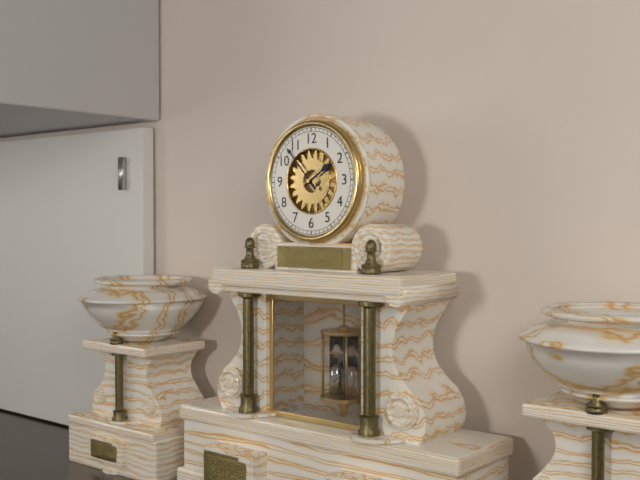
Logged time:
1h53
